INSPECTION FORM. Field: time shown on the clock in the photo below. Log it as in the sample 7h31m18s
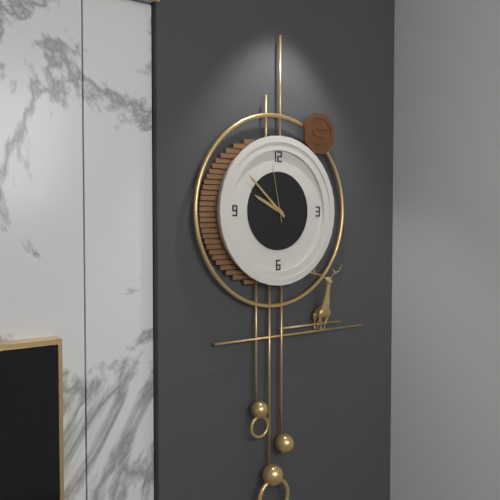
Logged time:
9h52m58s
